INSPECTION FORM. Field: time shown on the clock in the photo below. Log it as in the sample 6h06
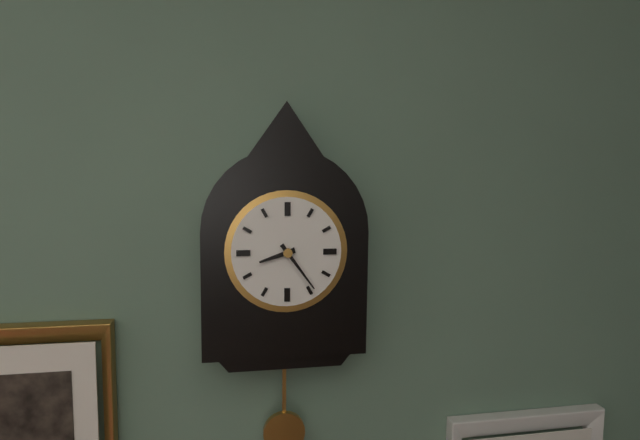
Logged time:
8h24
